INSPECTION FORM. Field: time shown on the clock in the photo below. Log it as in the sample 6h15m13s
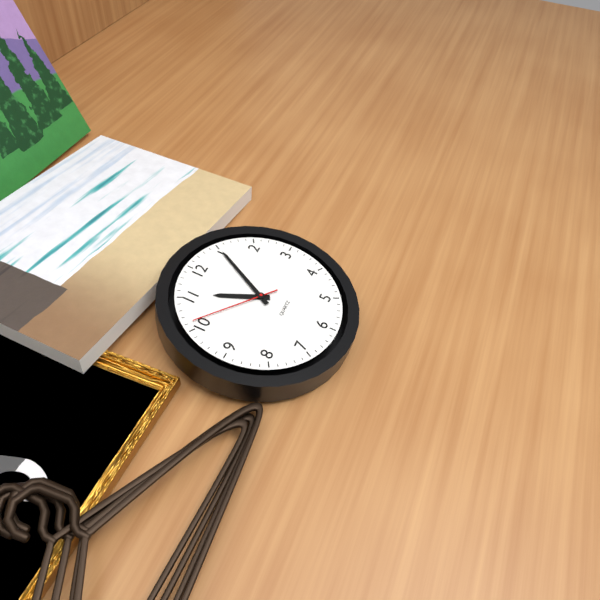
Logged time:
11h05m51s
